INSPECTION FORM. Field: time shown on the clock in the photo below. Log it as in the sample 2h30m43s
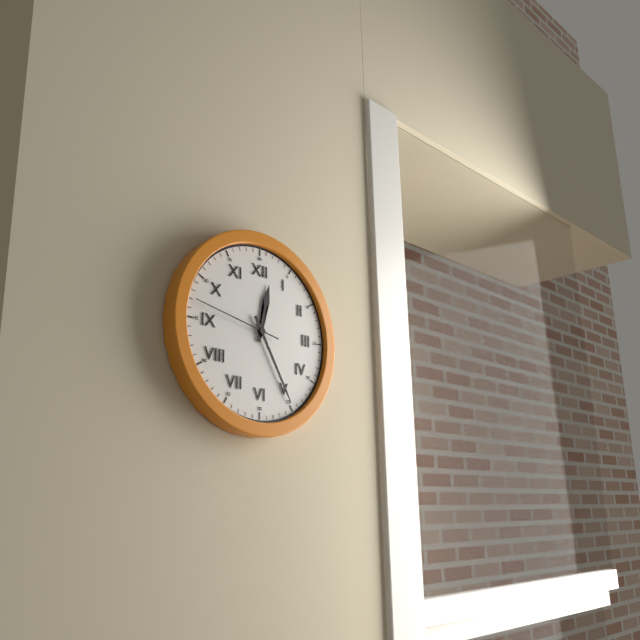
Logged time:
12h25m47s
